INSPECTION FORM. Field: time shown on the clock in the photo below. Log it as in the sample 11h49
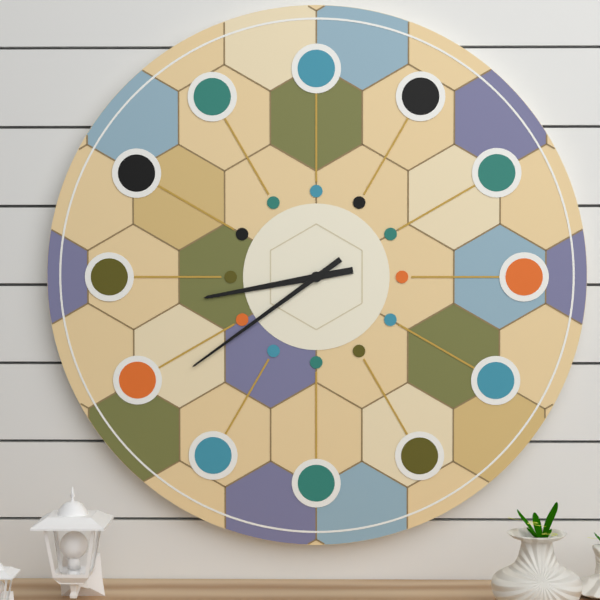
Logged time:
8h39
